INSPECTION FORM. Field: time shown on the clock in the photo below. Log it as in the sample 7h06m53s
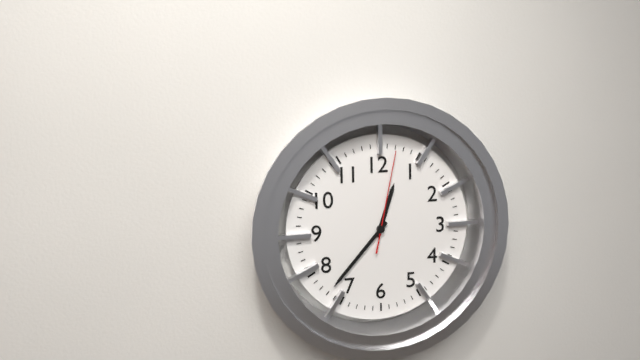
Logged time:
12h37m02s
